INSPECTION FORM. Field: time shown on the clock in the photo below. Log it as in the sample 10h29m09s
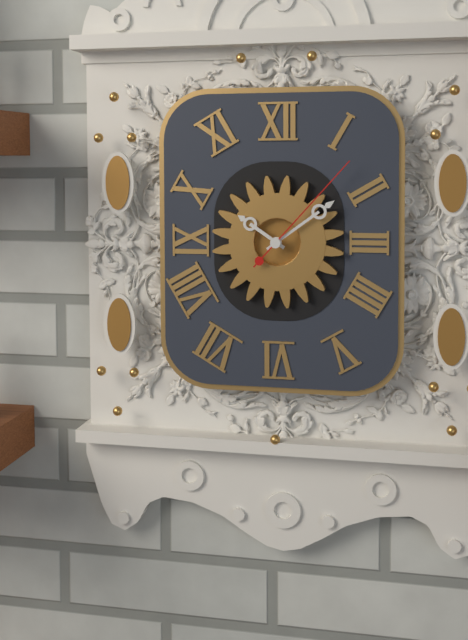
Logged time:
10h09m07s
